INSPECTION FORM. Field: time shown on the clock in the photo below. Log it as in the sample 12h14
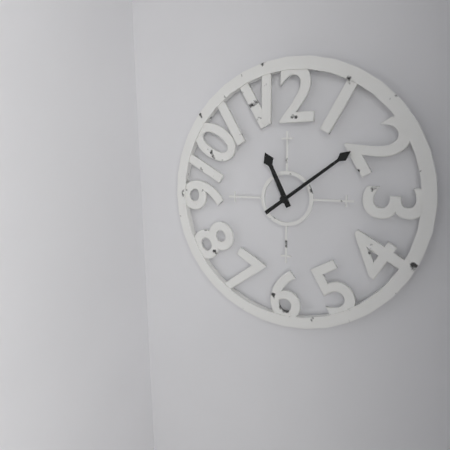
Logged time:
11h09
